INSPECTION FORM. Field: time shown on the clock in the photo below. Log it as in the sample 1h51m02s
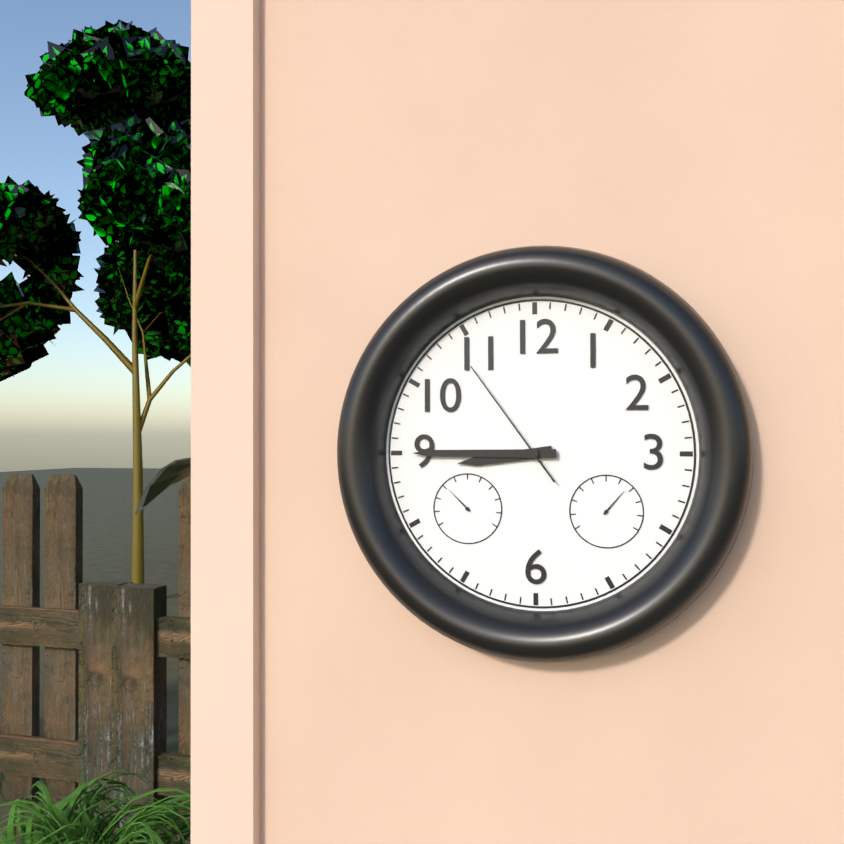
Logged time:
8h45m54s
